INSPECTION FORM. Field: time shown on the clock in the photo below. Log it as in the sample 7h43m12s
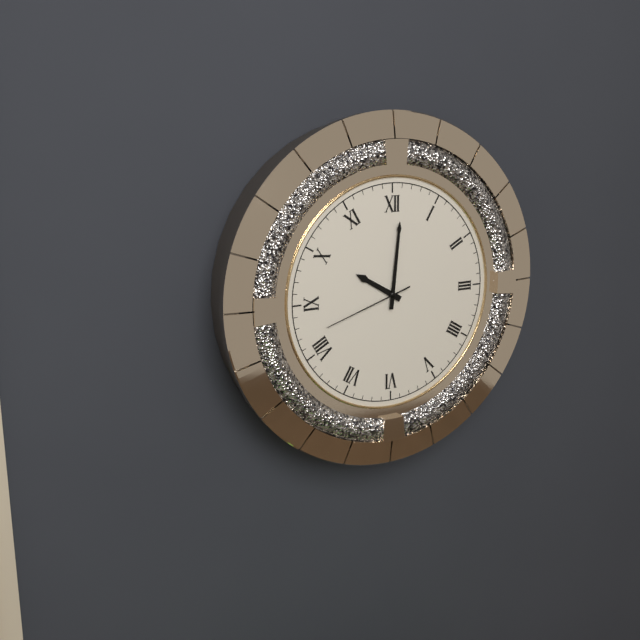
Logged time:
10h01m42s
